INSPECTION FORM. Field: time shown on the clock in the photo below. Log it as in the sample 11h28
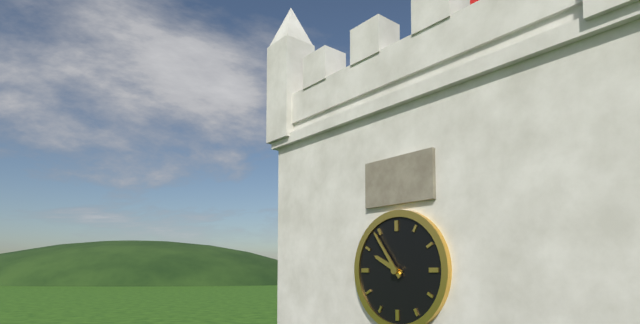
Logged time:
9h54
